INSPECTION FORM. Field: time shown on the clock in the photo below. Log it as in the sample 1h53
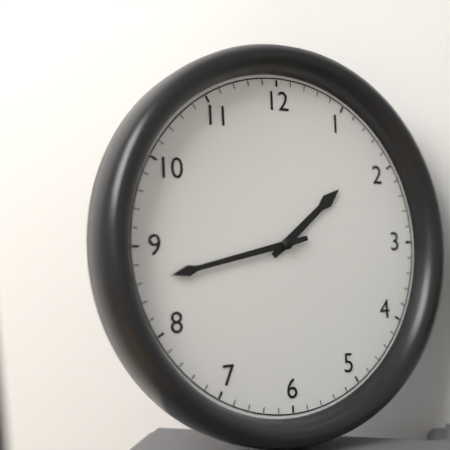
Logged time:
1h43
